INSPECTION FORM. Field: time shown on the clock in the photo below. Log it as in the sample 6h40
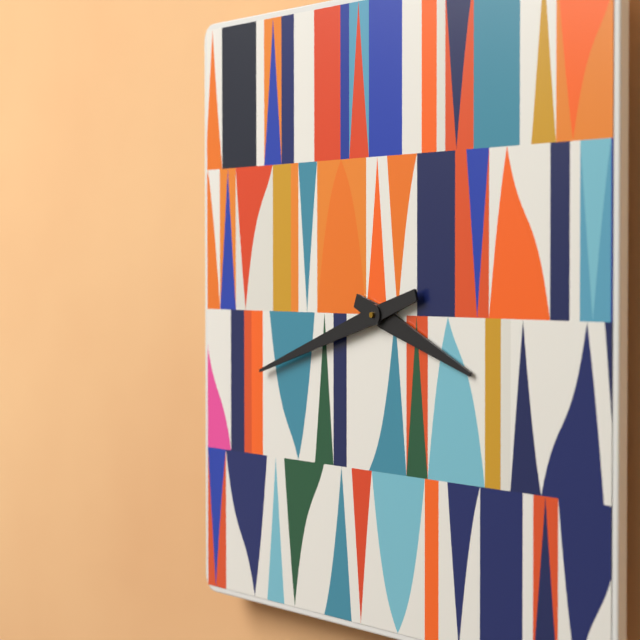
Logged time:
3h42
